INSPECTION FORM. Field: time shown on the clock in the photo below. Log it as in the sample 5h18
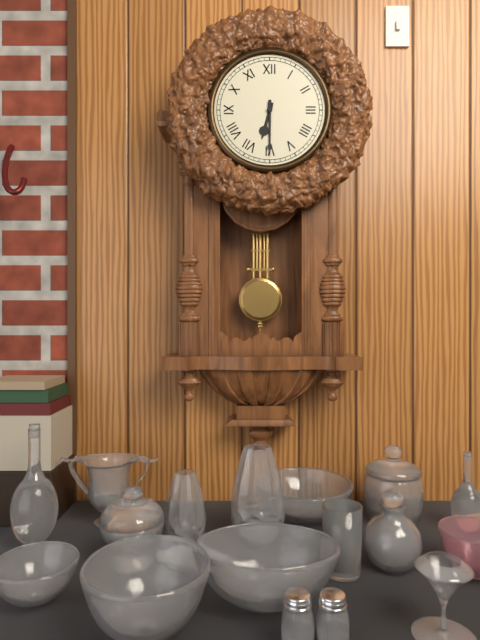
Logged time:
6h30
